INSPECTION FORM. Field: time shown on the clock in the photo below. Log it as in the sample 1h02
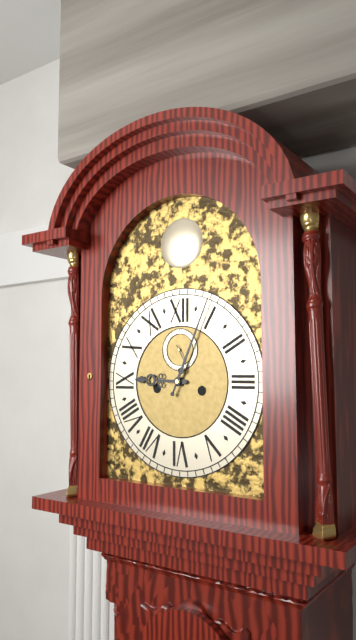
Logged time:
9h04
